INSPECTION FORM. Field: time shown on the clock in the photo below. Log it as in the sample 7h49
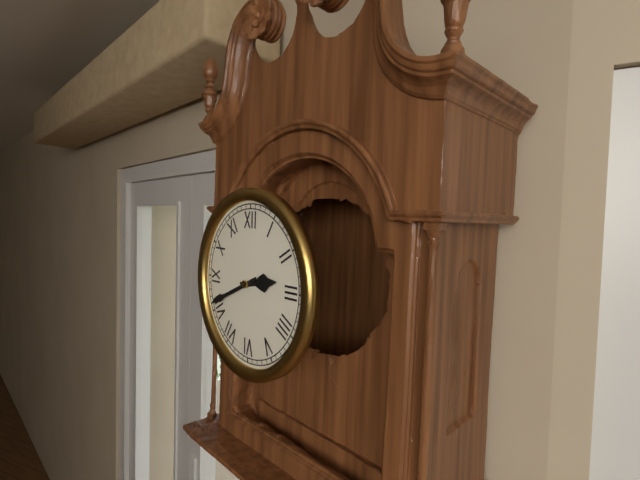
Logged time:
2h41
